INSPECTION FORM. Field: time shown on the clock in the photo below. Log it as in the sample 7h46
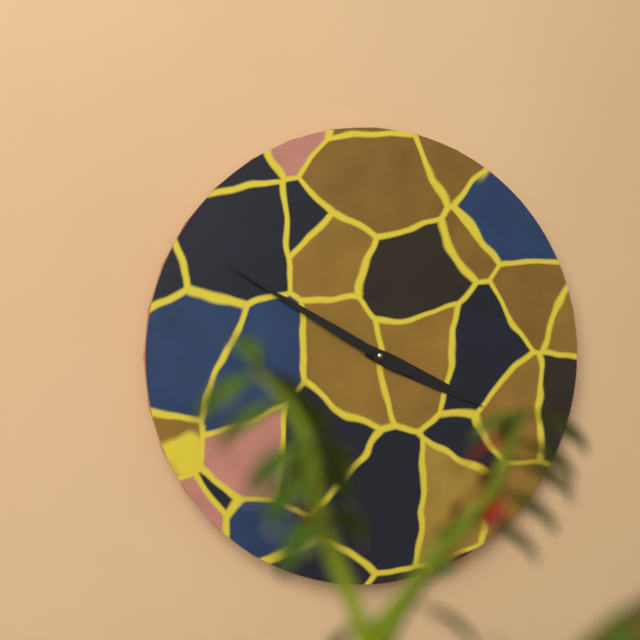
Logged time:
3h50
